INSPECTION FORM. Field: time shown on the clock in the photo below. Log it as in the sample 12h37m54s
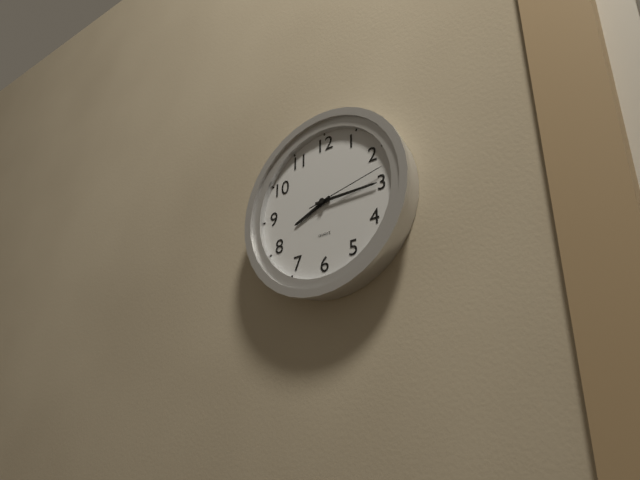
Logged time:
8h15m13s
